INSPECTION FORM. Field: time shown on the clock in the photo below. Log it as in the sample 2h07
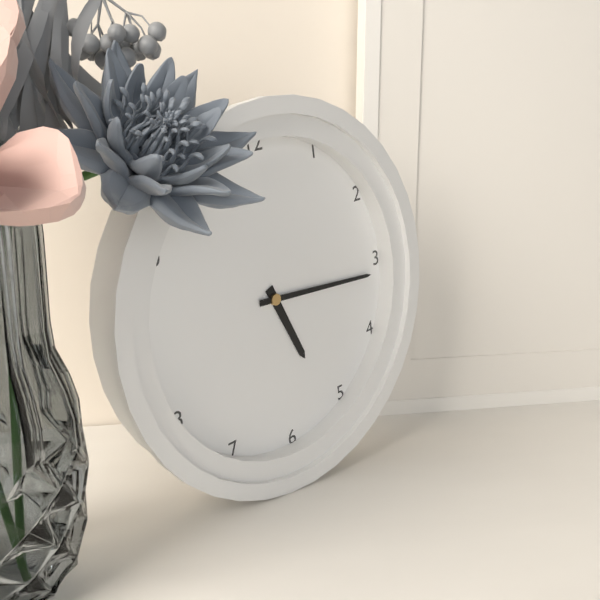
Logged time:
5h16
